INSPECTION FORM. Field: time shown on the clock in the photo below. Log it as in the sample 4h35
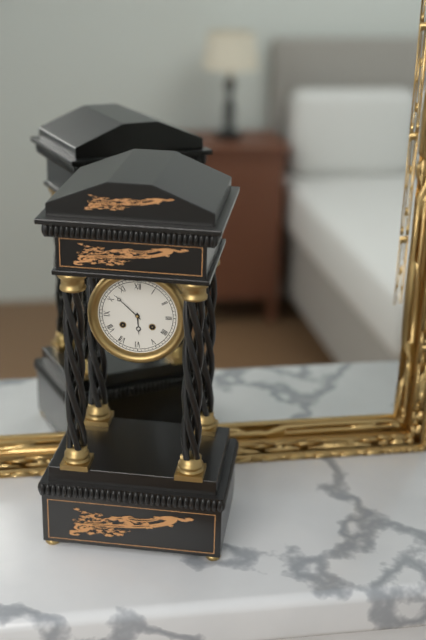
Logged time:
5h52
